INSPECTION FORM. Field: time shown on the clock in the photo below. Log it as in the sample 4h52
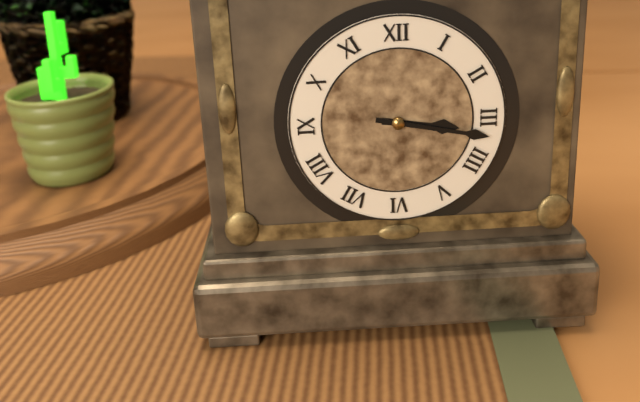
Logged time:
3h17
